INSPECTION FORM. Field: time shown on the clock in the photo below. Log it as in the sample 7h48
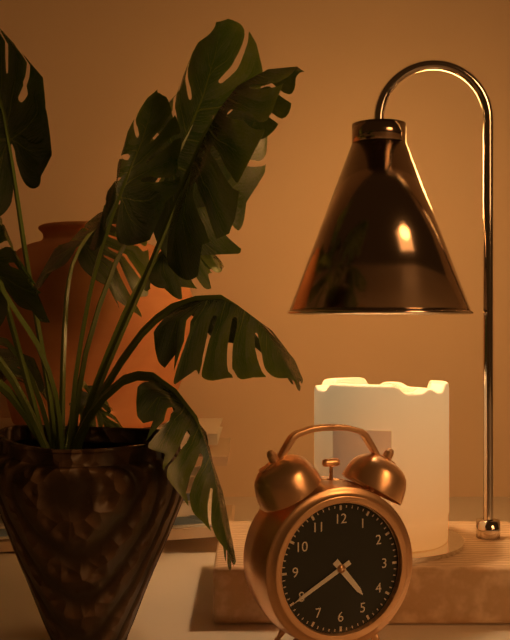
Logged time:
4h40
